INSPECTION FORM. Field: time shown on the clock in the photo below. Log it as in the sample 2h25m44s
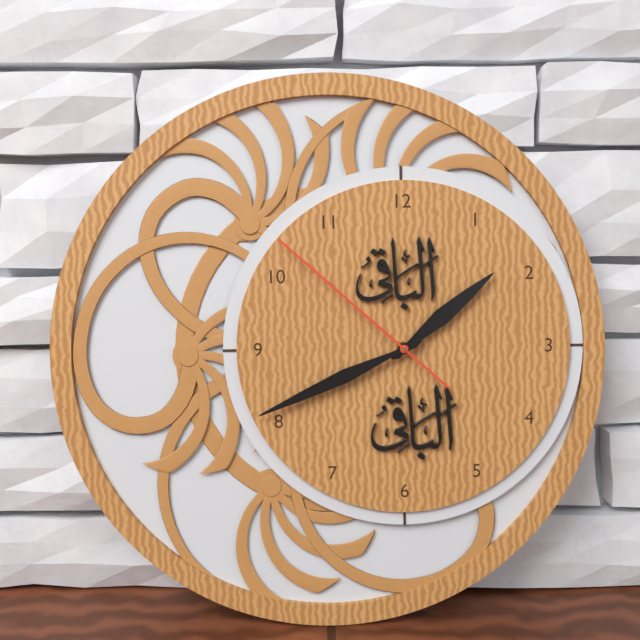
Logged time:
1h41m52s
